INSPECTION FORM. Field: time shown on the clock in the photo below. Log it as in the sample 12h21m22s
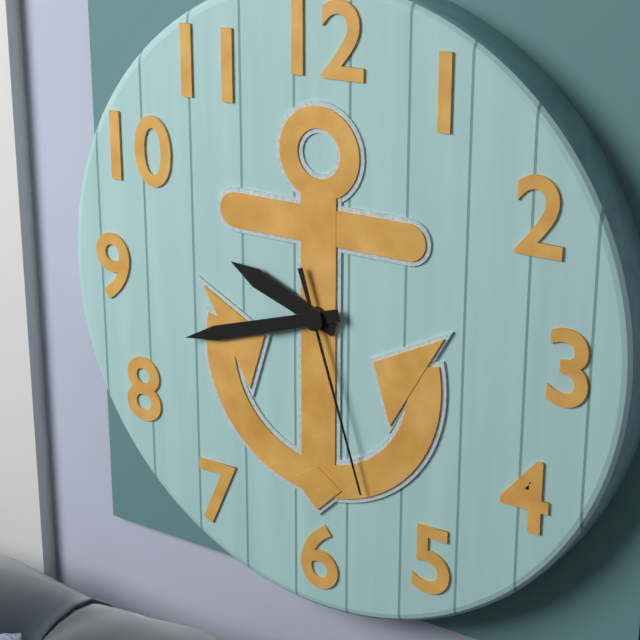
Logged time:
9h42m27s
